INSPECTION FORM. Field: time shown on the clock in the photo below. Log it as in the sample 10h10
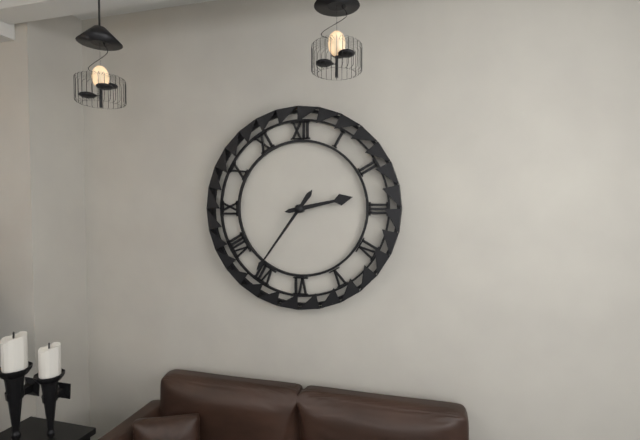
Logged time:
2h36
